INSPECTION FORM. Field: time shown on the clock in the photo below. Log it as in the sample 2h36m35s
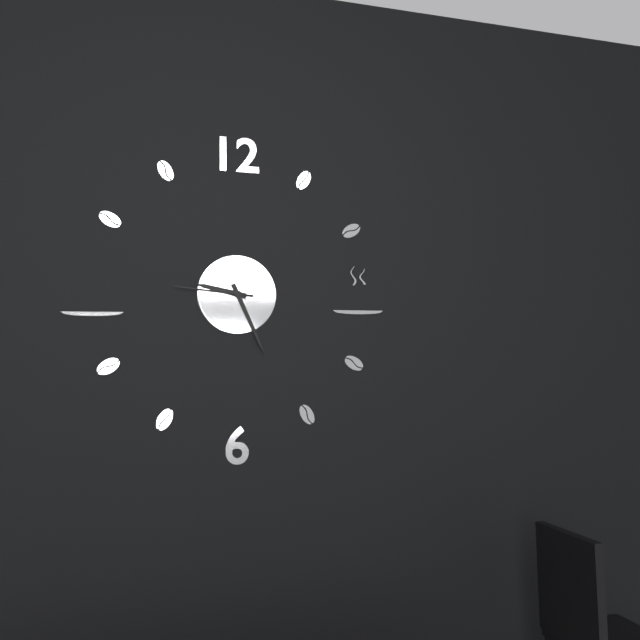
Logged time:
9h26m46s
